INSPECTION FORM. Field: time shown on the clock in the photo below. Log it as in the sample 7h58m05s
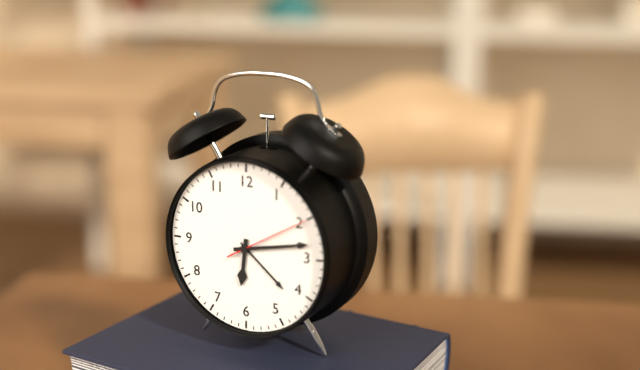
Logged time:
6h13m10s
